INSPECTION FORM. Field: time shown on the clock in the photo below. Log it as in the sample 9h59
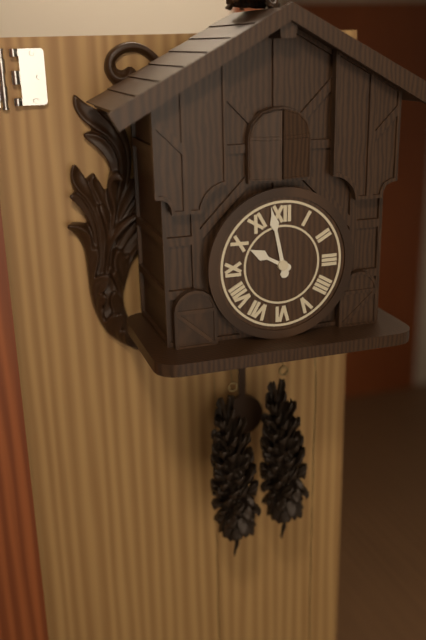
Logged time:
9h58
